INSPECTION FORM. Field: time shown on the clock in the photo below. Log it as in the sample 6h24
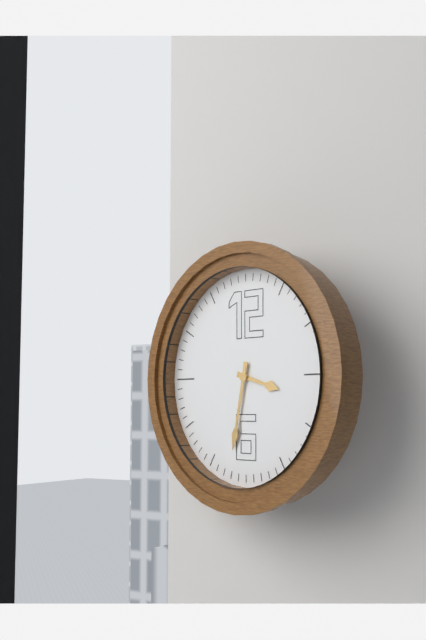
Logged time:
3h32
